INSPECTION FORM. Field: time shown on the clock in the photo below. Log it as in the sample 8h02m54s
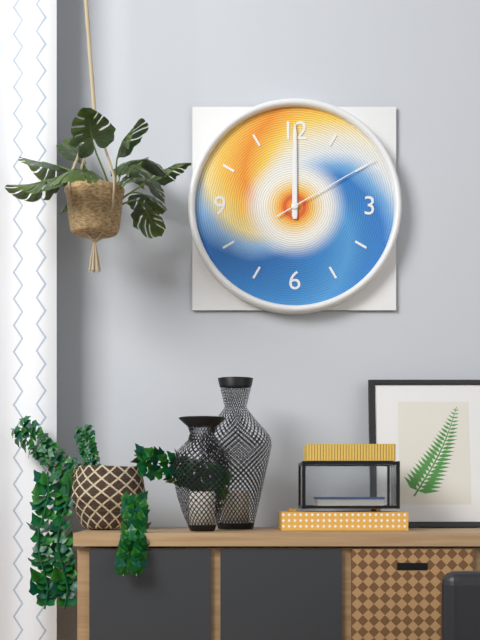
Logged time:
12h00m10s
